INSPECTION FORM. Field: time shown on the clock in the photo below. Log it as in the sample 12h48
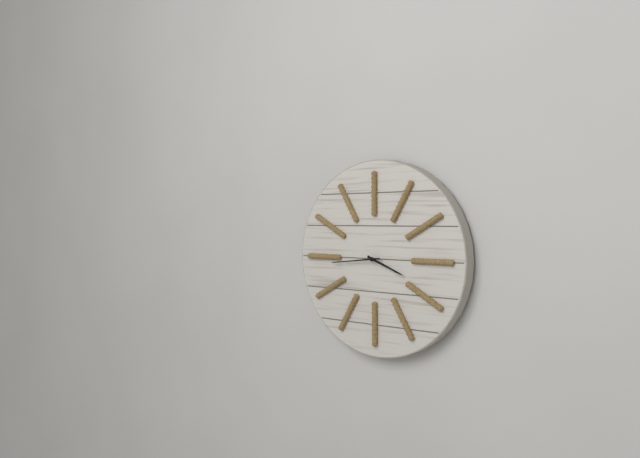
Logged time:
3h44
